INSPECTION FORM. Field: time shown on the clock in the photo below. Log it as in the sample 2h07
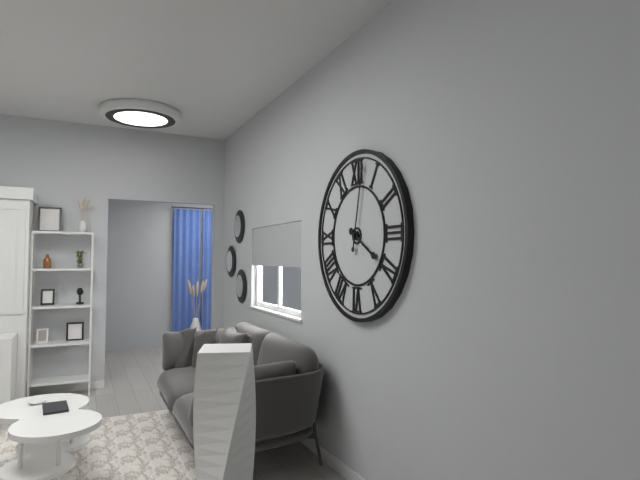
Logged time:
4h02
